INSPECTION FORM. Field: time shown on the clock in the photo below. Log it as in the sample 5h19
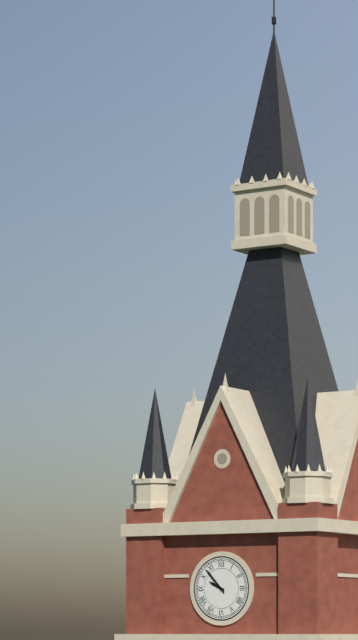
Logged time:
9h53
